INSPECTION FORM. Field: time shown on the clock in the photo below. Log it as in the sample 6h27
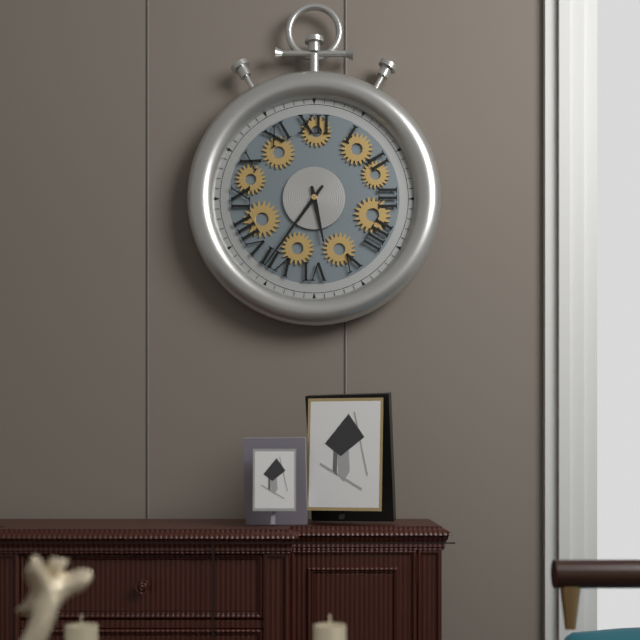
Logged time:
5h36
